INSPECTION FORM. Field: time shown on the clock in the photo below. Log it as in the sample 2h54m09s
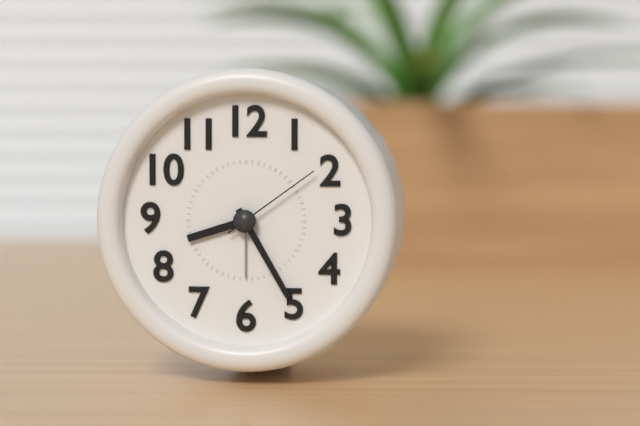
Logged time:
8h25m09s
